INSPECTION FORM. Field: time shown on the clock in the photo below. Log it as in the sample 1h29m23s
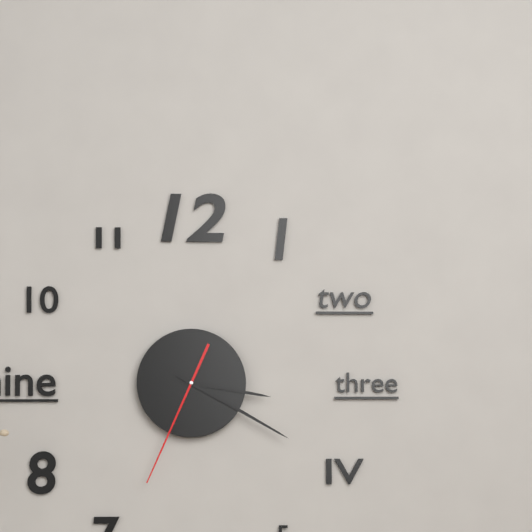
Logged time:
3h20m34s
